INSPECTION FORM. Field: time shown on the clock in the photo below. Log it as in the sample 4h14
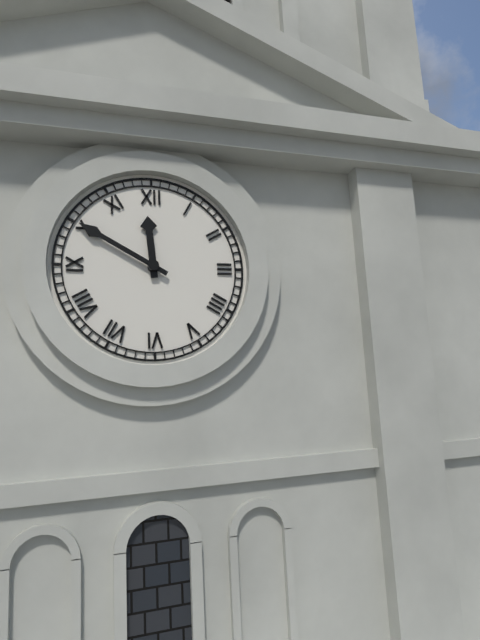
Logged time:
11h50
